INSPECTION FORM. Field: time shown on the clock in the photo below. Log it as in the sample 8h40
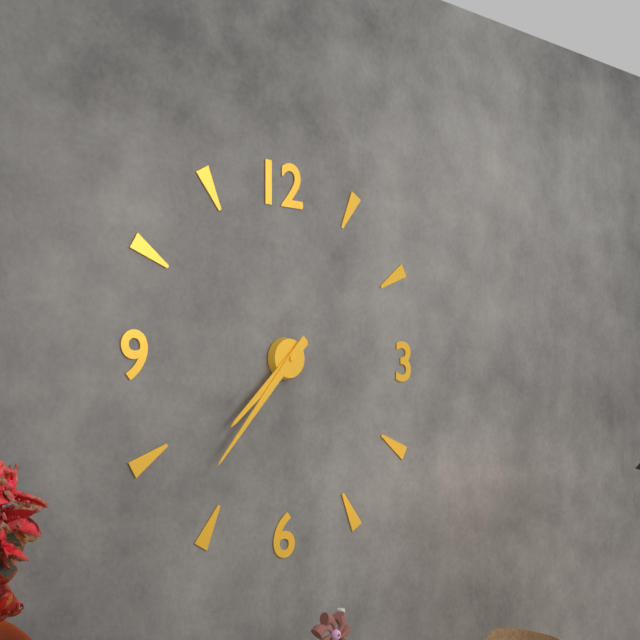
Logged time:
7h37
